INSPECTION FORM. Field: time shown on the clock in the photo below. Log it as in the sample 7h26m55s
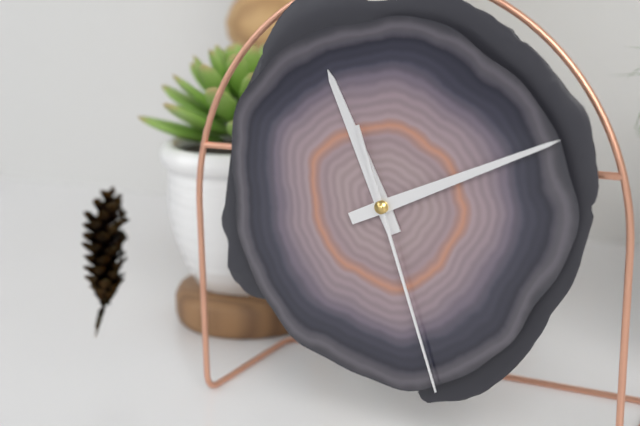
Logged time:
11h11m27s
